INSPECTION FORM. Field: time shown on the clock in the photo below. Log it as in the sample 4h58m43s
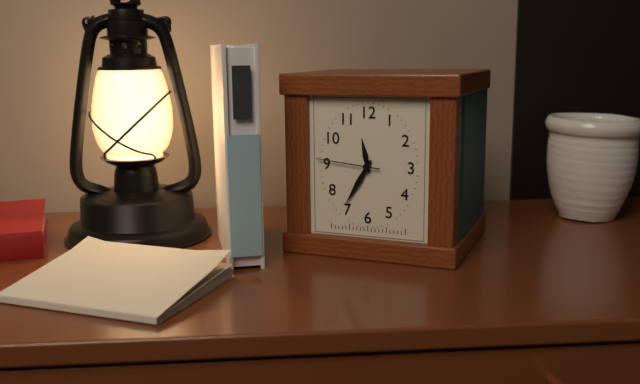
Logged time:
11h35m46s
